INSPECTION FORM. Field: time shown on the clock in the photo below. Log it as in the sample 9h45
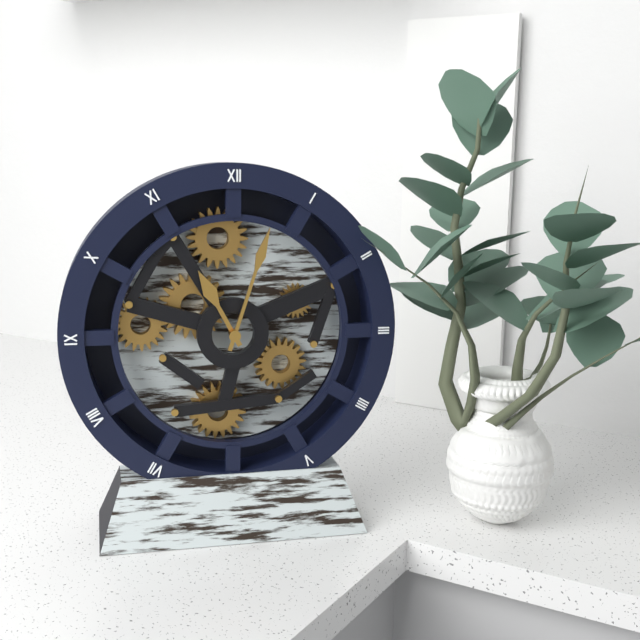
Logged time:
11h03
